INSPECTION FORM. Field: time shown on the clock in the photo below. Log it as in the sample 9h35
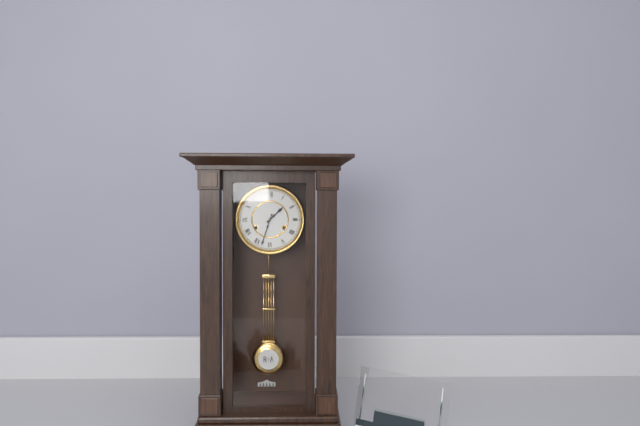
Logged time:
1h33
